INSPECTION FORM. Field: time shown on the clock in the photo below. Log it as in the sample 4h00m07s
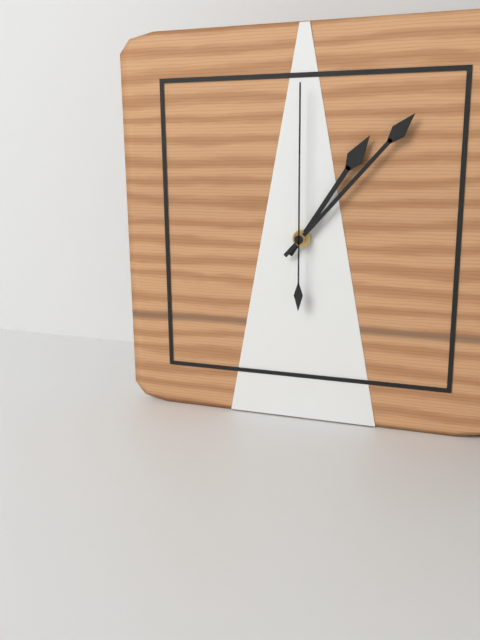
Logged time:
1h07m00s
